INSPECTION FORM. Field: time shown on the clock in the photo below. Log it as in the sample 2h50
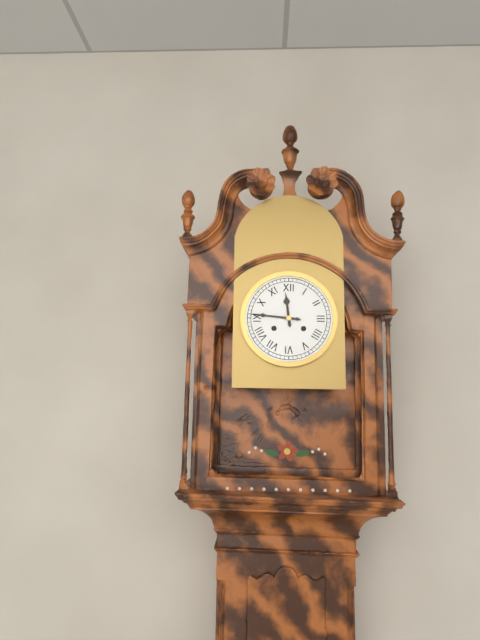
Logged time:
11h46
